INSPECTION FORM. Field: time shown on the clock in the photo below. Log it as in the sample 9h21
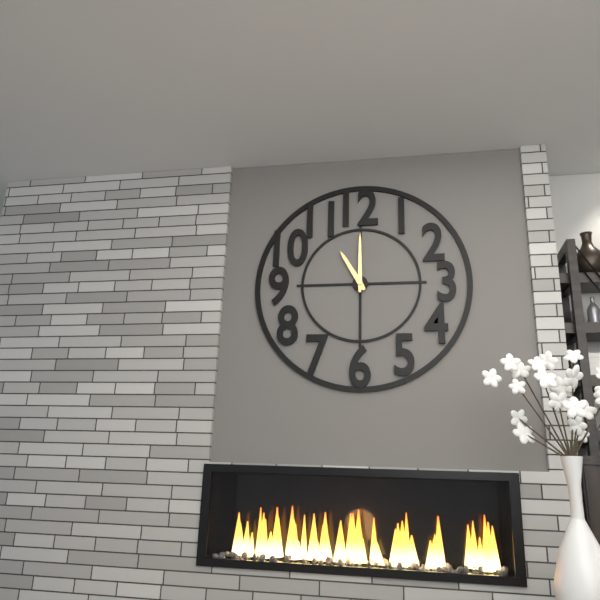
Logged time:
11h00
